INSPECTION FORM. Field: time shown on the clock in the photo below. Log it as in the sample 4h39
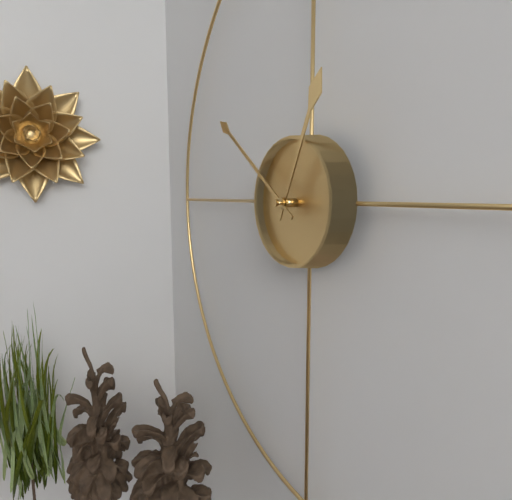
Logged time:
12h51
